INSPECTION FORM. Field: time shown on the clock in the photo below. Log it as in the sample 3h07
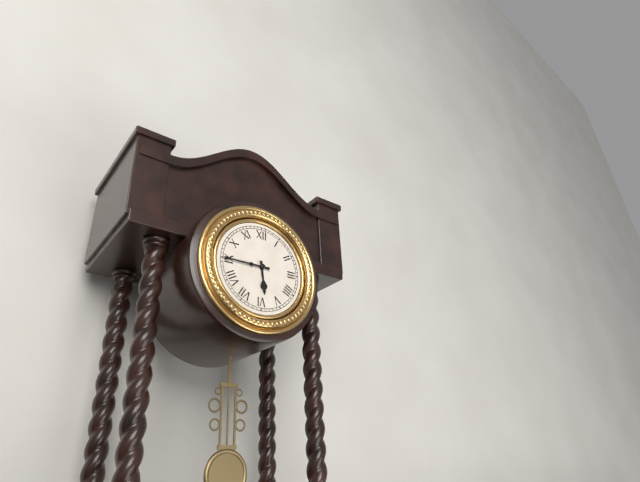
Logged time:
5h45
